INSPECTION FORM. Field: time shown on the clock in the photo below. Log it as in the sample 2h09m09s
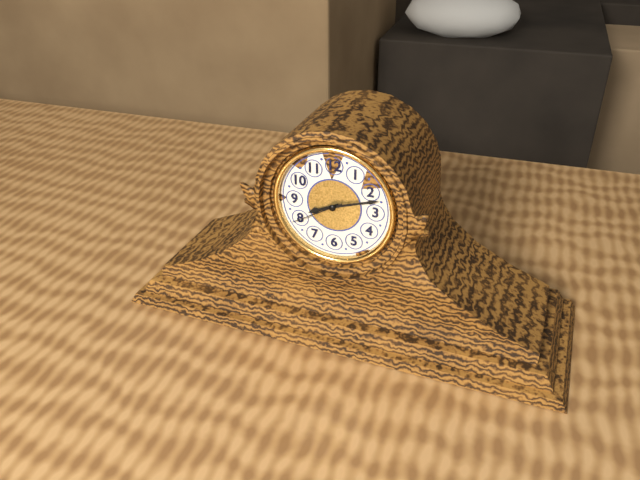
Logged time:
8h12m40s
